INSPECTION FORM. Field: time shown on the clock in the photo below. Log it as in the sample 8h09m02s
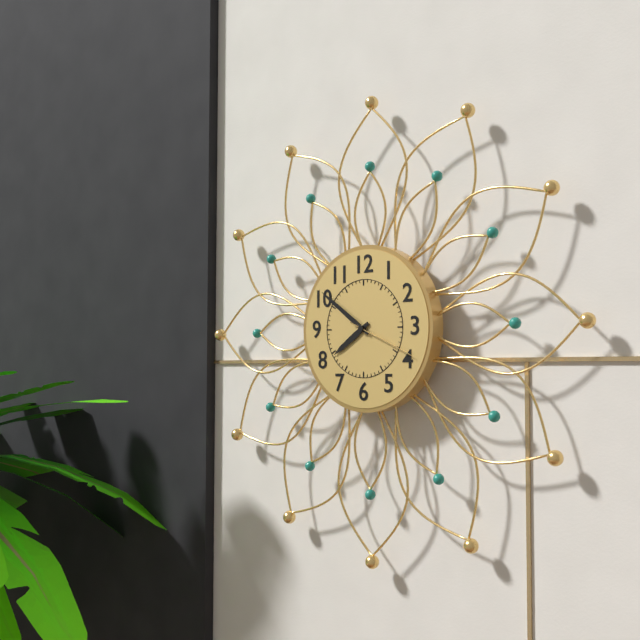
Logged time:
7h51m19s
